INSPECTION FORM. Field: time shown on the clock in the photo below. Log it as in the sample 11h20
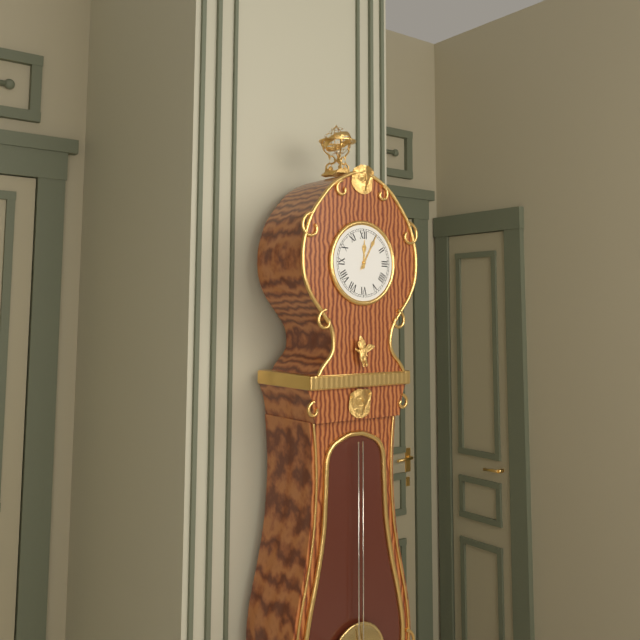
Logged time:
12h05
